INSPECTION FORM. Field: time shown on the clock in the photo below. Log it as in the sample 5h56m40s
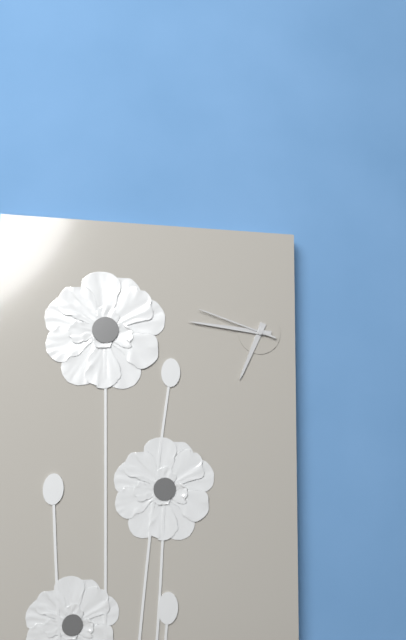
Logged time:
6h46m48s
